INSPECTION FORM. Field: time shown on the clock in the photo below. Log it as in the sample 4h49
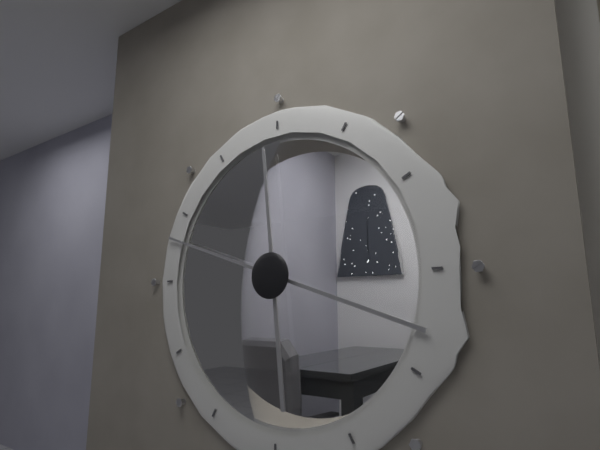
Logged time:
11h48
